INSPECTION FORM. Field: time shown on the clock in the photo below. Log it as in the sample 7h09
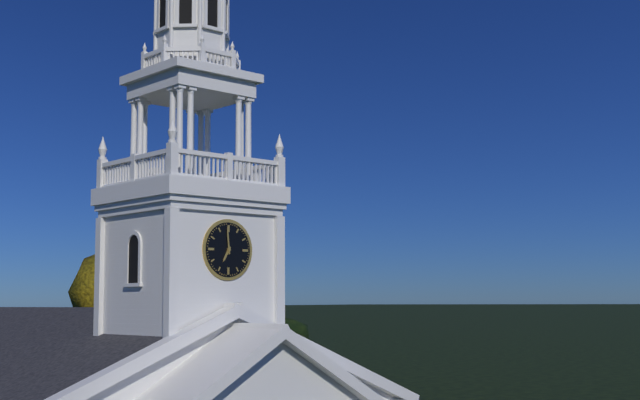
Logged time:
6h59
